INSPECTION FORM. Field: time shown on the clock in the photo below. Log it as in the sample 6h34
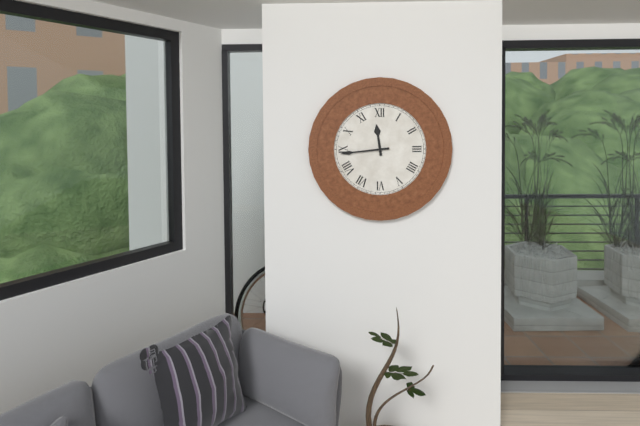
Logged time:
11h44
